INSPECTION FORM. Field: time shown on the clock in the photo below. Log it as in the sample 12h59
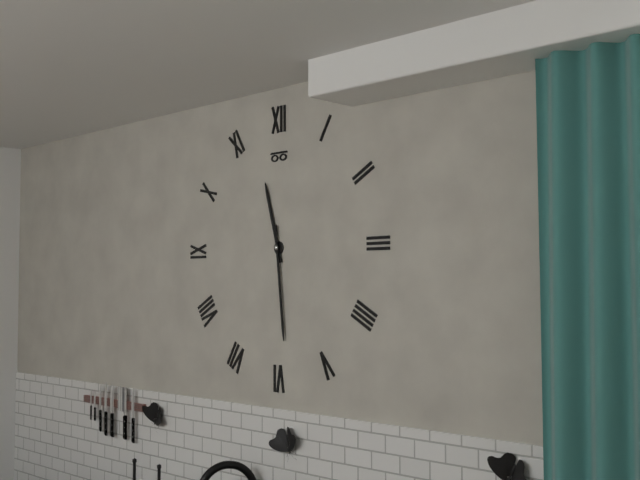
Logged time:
11h29
